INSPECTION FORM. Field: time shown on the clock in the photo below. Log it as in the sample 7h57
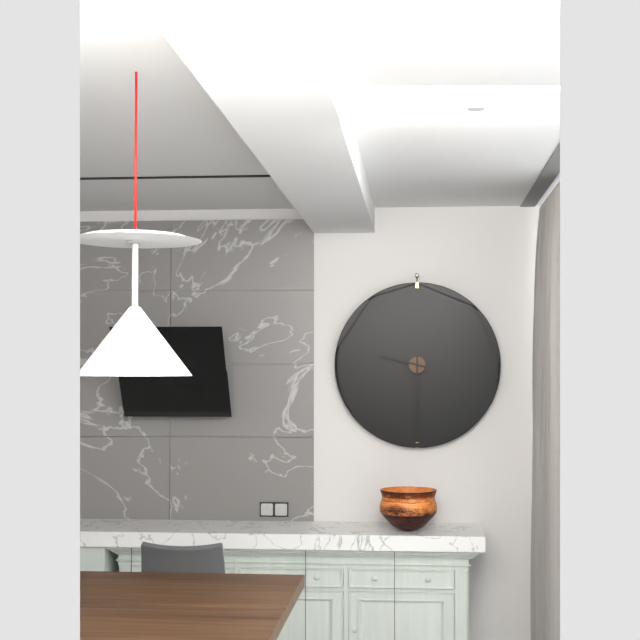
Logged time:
9h30
